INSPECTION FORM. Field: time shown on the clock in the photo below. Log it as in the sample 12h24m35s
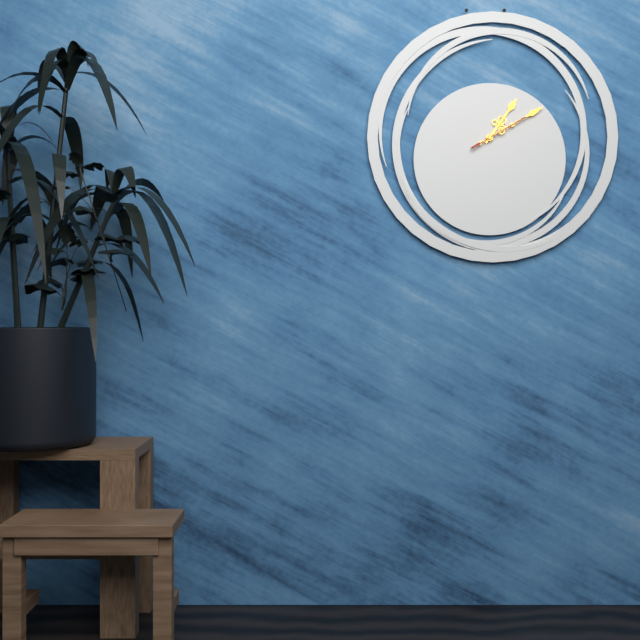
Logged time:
1h10m10s
